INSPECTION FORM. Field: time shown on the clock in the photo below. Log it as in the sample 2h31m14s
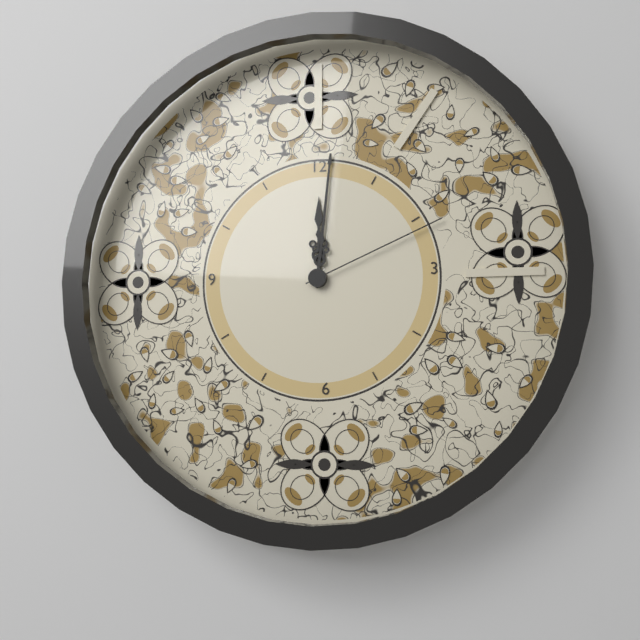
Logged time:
12h01m11s
